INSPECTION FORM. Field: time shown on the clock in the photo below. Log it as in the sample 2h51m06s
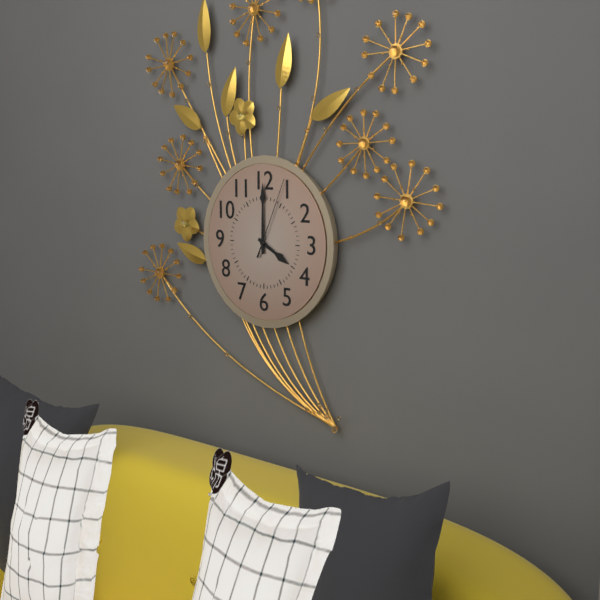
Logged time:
4h00m04s
